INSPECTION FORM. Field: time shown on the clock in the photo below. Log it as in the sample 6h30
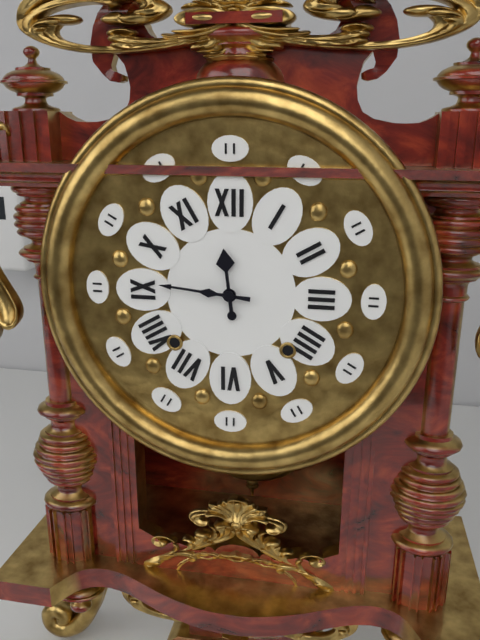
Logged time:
11h46
